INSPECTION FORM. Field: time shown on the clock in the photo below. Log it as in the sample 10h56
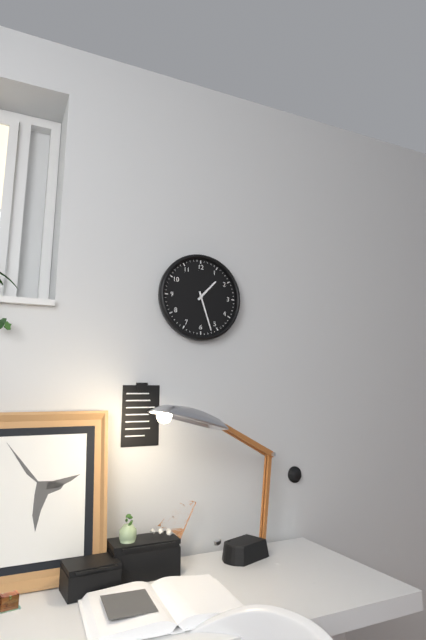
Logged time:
1h27
